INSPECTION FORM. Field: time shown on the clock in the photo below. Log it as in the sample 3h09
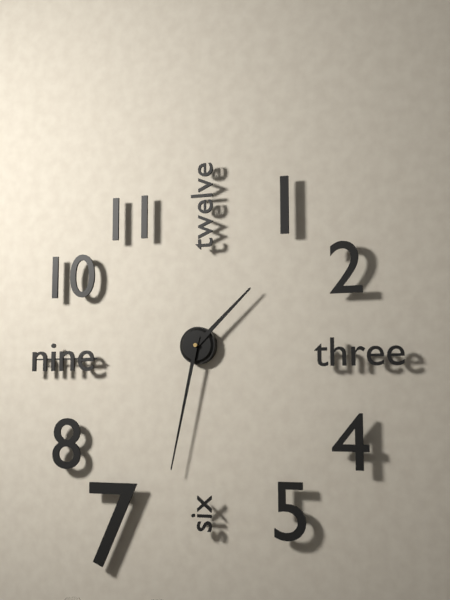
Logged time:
1h32
